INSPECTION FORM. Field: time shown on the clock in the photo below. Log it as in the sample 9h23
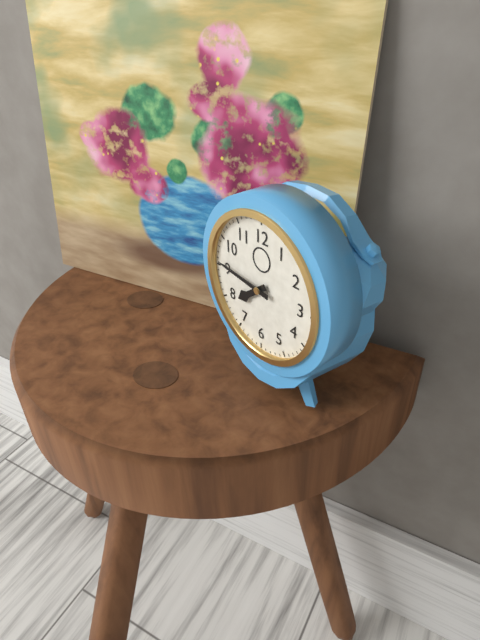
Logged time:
7h46
